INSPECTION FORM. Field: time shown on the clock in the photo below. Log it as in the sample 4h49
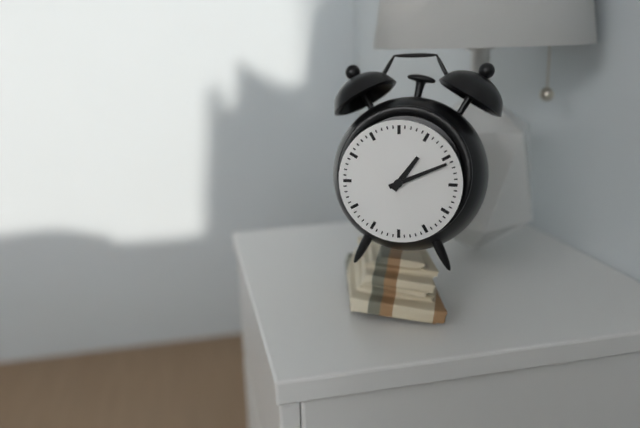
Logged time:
1h11
